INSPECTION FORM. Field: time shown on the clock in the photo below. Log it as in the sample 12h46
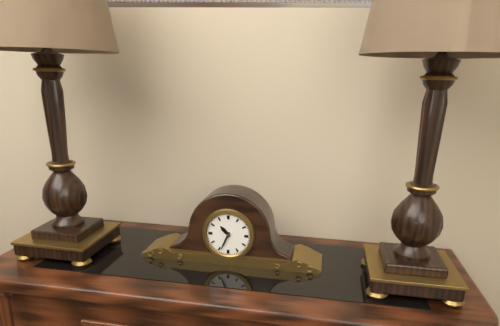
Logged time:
10h34
